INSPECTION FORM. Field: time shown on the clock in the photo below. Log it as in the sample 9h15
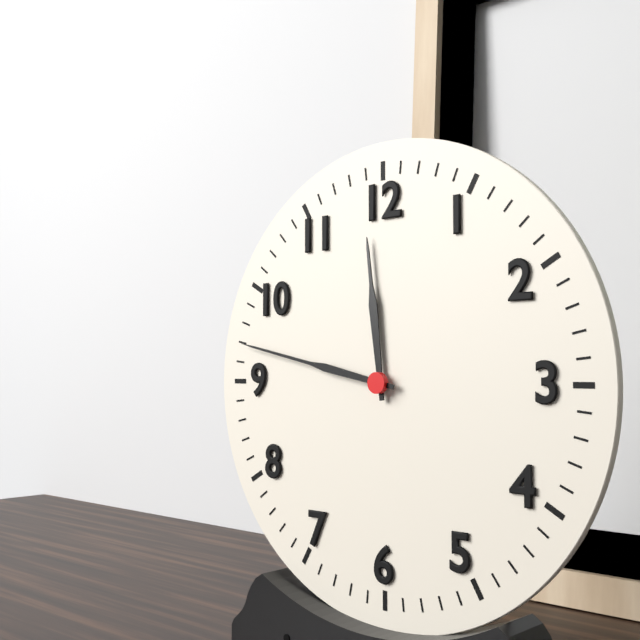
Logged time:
11h47
